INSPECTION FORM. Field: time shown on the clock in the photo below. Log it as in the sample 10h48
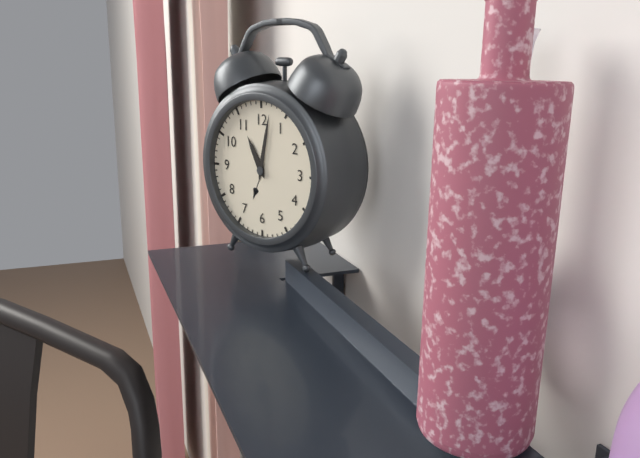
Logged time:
11h02
